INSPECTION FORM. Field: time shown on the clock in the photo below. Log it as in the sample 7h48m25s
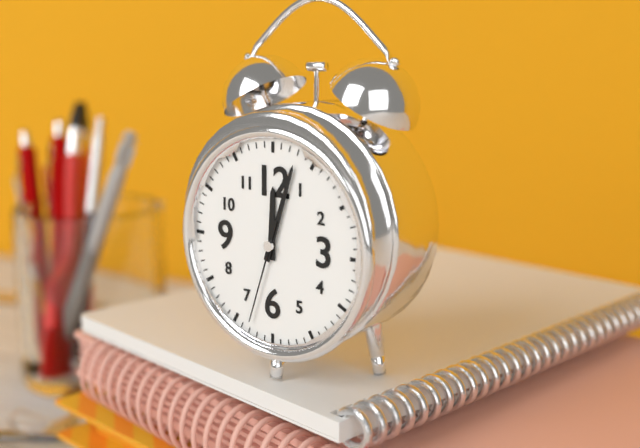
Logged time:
12h03m33s
